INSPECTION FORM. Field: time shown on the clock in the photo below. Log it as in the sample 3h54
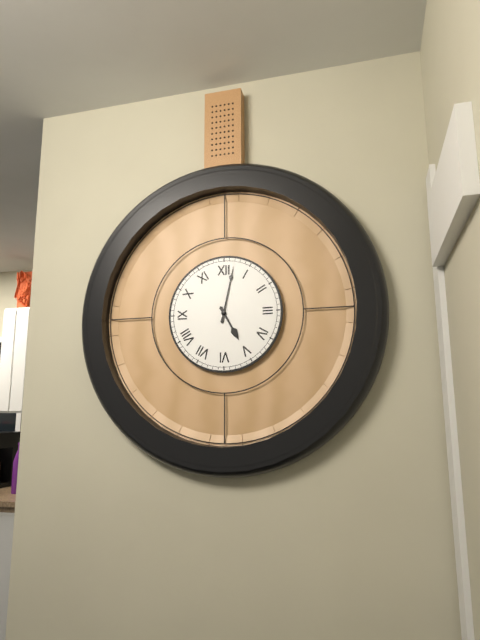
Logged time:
5h02
